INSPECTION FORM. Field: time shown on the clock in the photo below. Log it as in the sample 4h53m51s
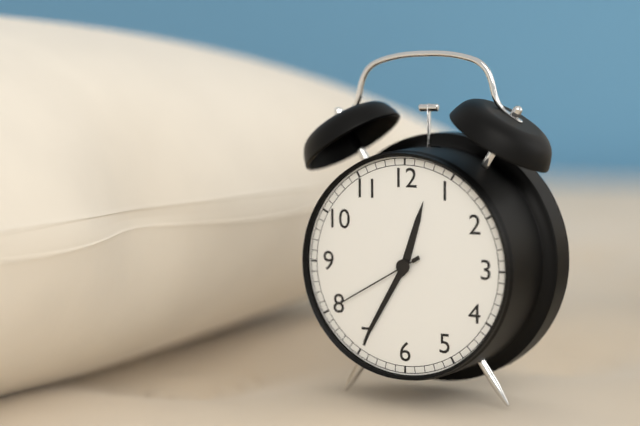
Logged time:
12h35m40s
